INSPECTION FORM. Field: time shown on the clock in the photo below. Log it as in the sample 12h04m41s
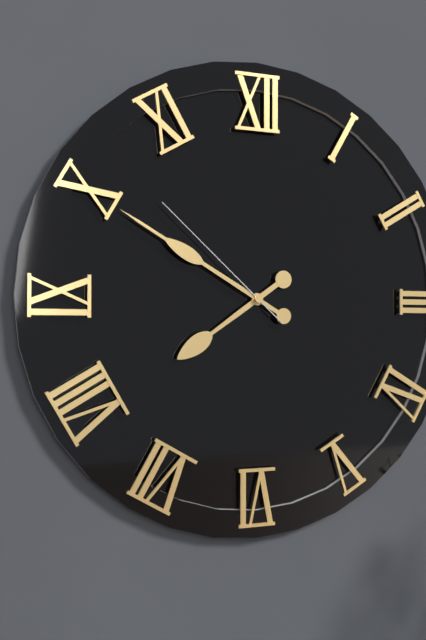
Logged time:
7h50m52s
